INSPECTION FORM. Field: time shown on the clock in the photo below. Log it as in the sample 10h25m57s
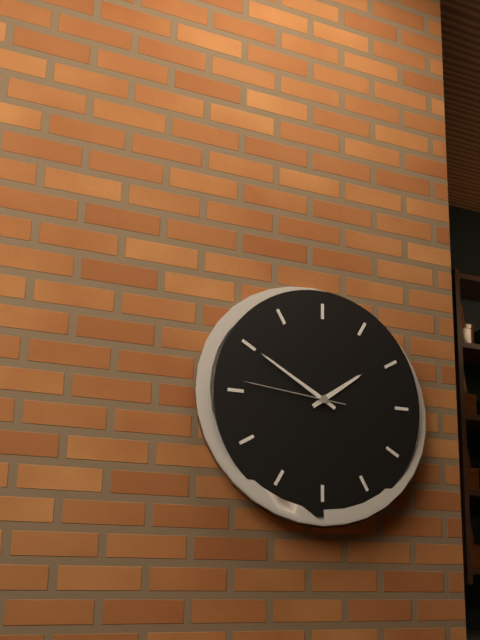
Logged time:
1h50m46s
